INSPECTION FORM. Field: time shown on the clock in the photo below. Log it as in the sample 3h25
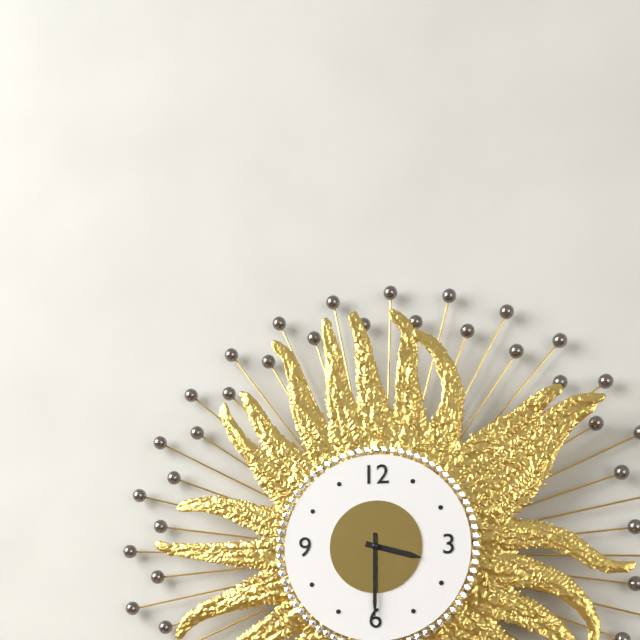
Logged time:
3h30
